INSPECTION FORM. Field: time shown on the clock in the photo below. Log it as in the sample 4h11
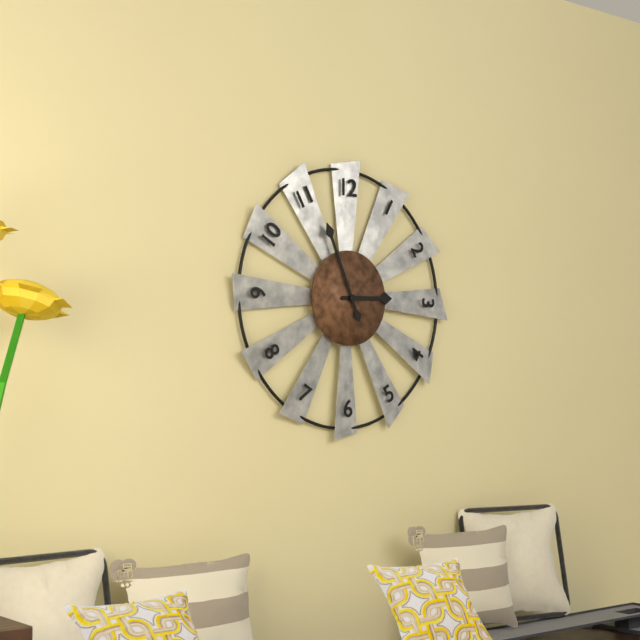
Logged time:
2h56
